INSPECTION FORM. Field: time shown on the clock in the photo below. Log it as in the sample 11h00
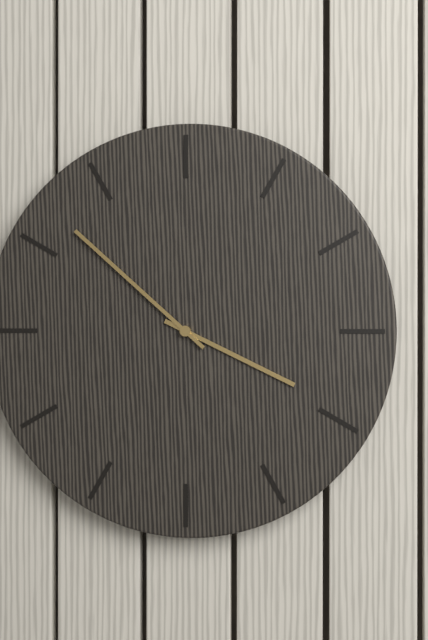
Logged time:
3h52
